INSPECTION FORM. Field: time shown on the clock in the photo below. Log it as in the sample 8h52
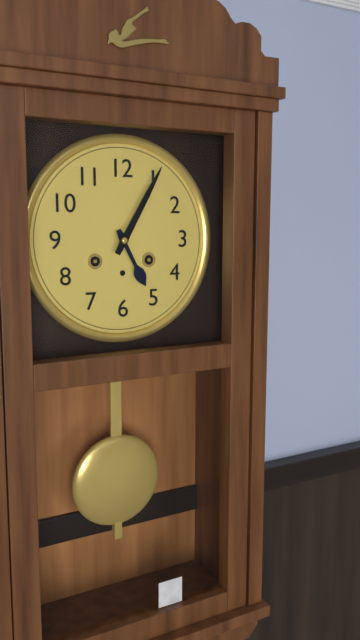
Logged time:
5h05
